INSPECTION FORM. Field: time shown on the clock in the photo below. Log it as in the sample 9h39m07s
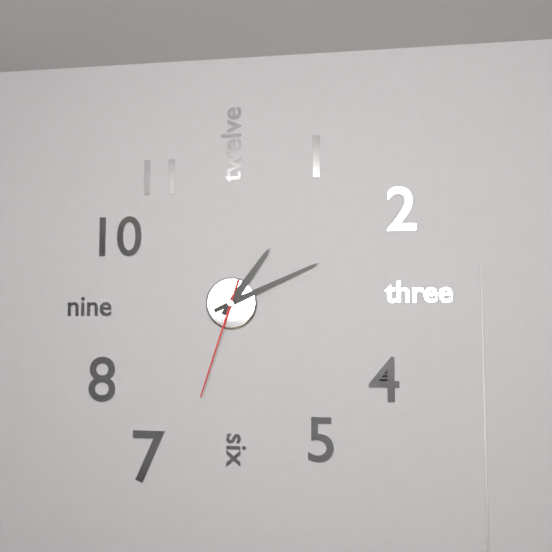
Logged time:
1h11m33s
